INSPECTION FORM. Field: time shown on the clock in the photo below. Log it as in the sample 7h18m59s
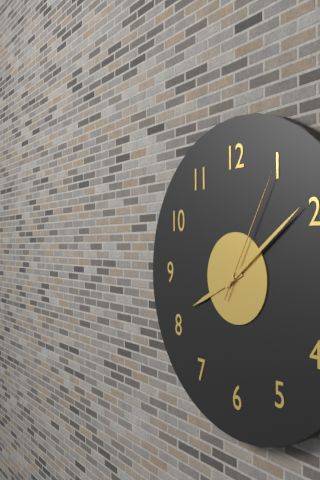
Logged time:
8h09m05s
